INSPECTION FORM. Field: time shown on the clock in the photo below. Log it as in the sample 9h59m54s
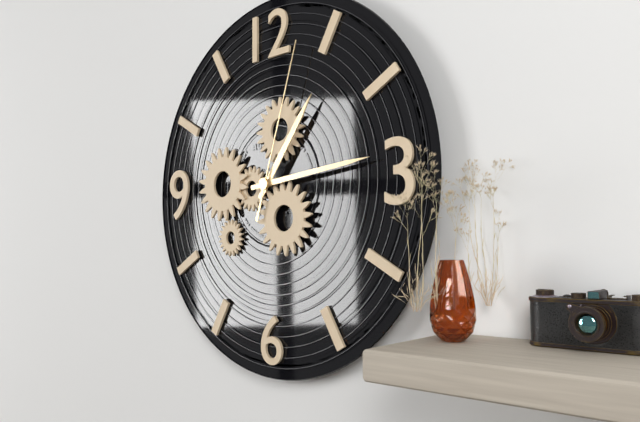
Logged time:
1h14m03s
